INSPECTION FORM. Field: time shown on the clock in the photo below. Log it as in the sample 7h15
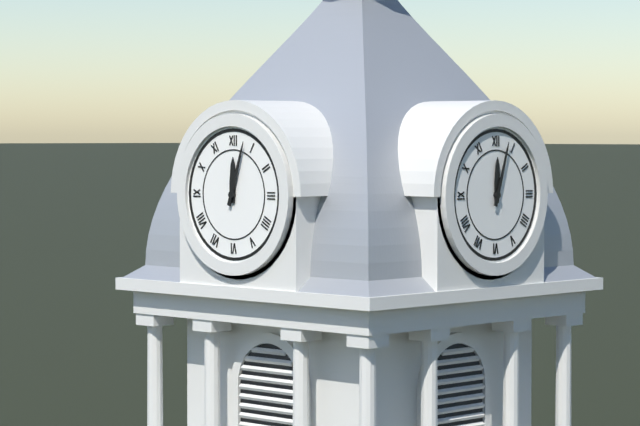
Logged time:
12h03
